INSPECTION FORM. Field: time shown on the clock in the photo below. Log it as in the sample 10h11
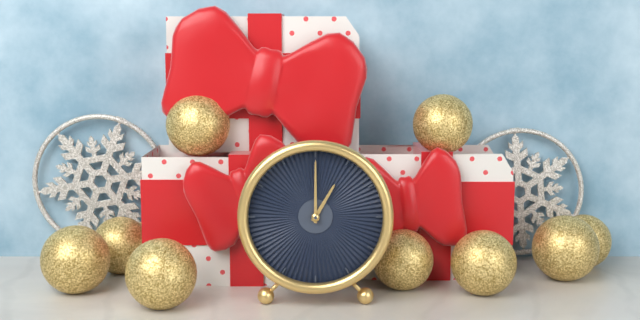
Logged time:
1h00
